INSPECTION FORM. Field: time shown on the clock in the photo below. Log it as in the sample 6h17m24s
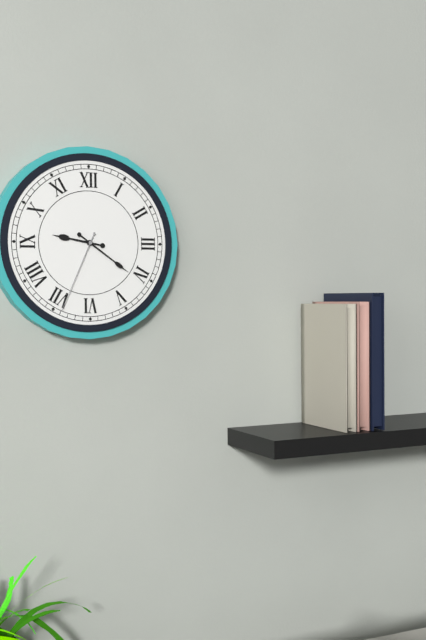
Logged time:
9h21m34s
